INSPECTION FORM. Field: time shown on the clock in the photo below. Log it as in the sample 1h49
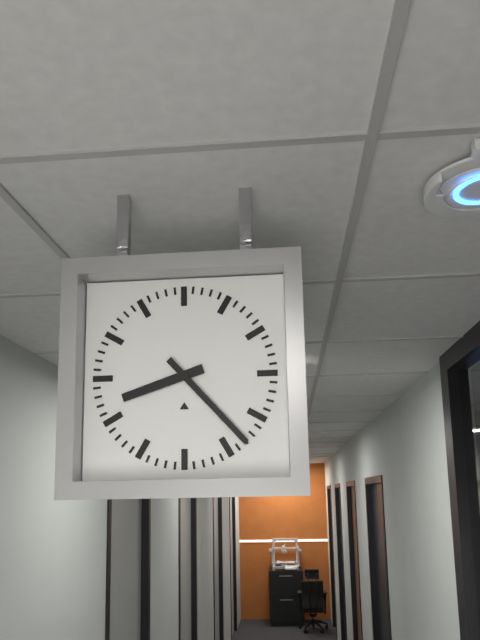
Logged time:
8h23
